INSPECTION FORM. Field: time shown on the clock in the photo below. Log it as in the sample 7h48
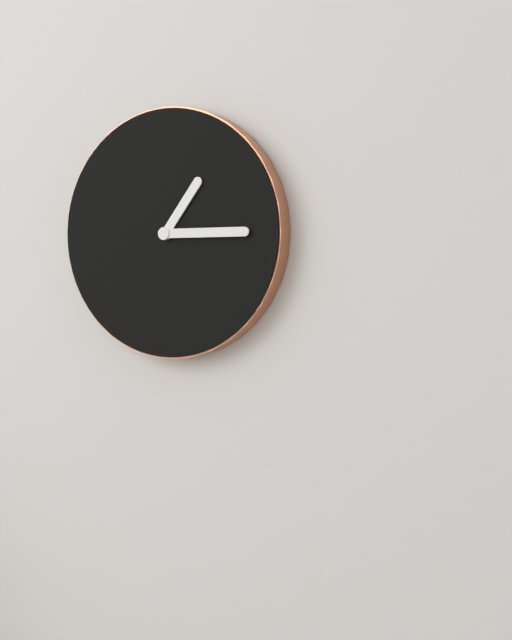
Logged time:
1h15
